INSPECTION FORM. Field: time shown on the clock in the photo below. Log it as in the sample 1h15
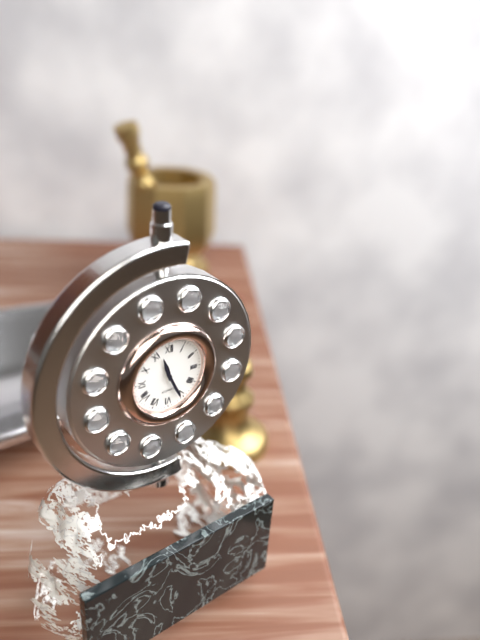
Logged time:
11h26
